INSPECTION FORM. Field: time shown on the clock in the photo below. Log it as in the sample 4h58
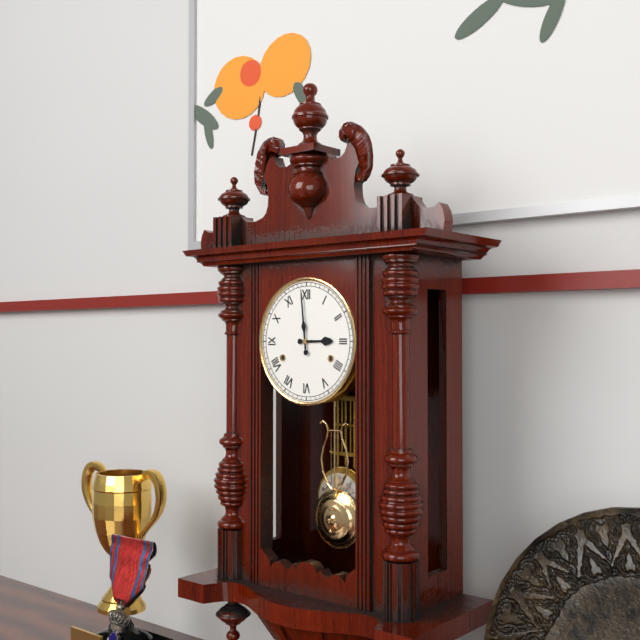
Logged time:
2h59
